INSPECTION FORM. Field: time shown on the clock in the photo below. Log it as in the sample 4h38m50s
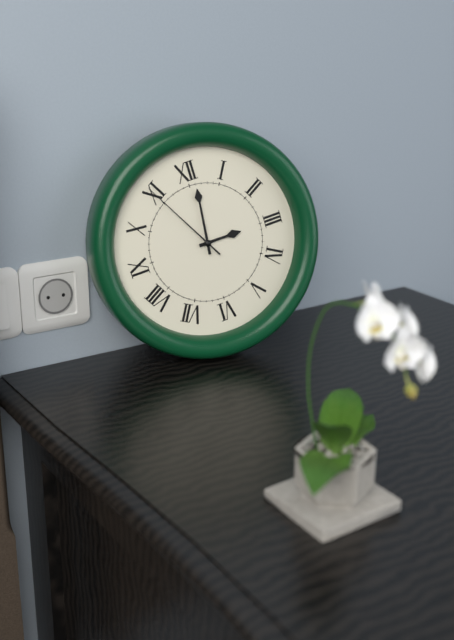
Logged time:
3h01m55s
